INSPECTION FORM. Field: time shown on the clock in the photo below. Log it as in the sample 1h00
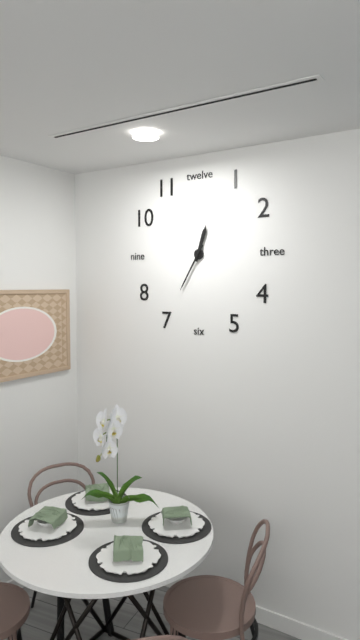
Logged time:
12h35
